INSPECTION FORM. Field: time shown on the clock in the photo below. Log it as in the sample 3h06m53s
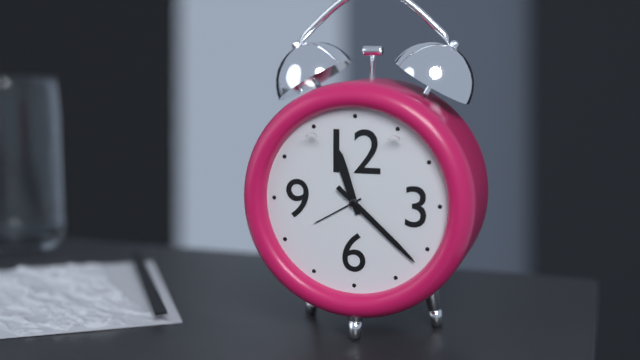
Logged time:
11h22m22s
